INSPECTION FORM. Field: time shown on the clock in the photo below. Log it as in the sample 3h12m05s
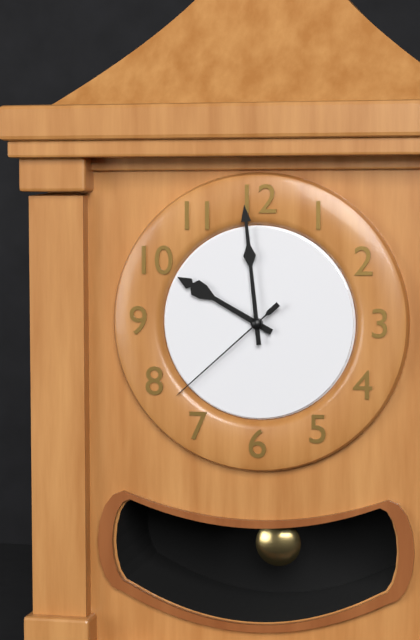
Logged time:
9h59m38s
